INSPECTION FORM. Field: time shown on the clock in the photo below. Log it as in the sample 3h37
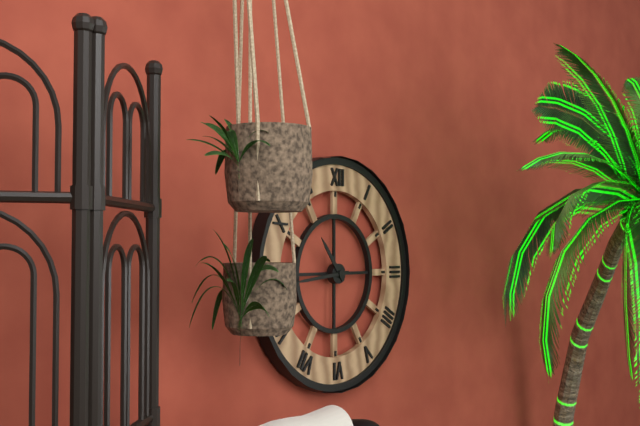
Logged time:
10h44
